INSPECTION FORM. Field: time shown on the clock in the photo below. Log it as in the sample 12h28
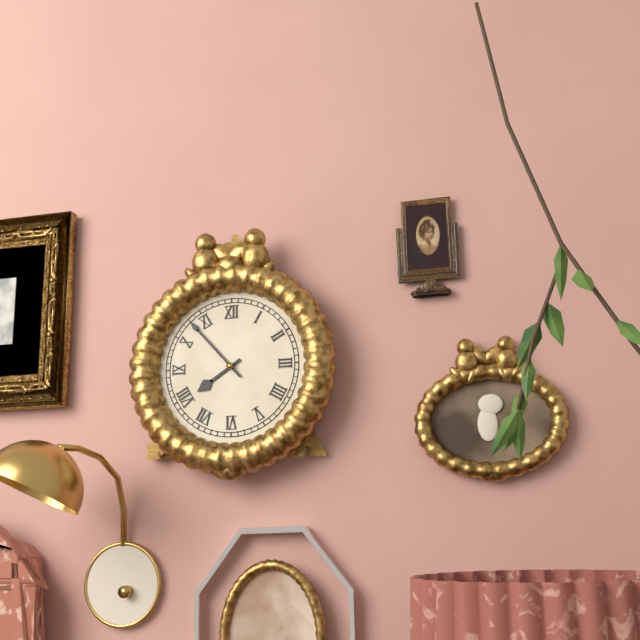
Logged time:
7h53
